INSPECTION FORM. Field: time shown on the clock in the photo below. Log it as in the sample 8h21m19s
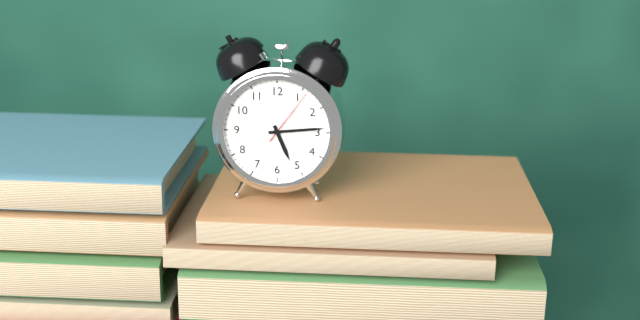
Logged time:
5h14m06s
